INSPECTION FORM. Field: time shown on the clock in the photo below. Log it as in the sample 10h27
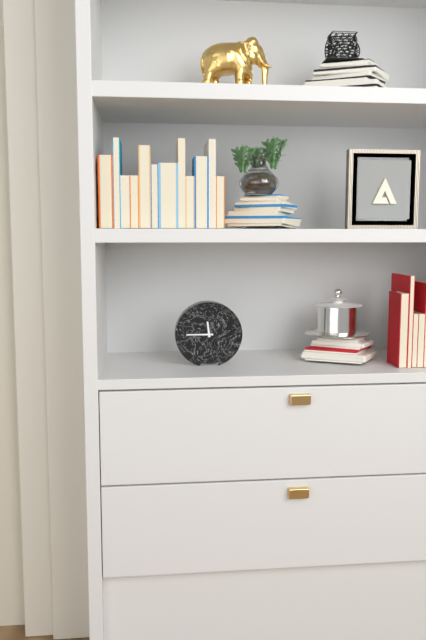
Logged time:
11h45
